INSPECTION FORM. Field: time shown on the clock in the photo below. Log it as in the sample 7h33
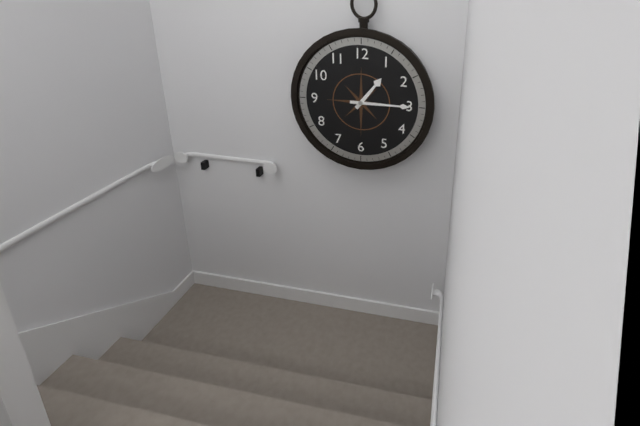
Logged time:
1h15
